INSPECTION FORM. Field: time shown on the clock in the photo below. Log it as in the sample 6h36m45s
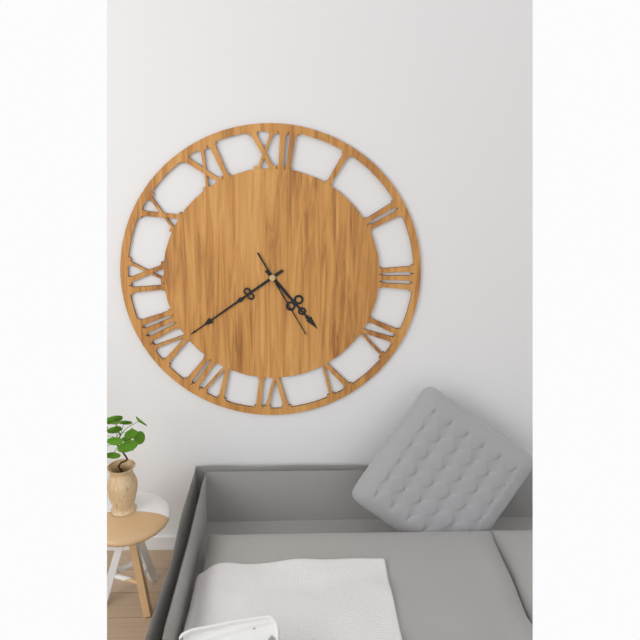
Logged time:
4h39m25s
